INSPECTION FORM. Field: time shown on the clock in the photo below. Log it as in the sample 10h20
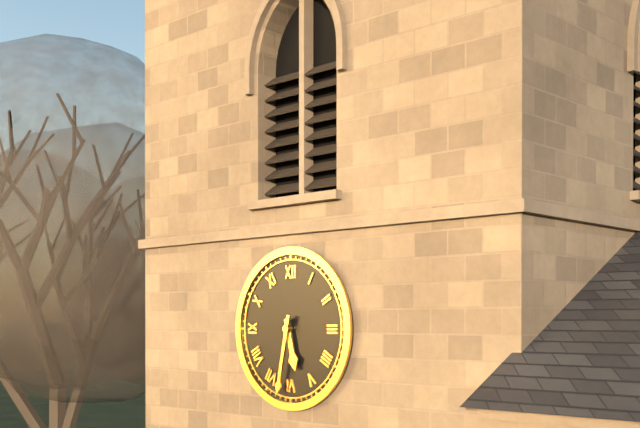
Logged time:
5h32
